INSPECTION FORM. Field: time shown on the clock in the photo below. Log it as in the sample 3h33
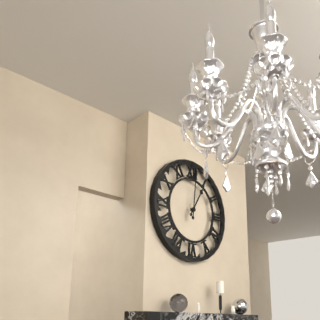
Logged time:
1h01
